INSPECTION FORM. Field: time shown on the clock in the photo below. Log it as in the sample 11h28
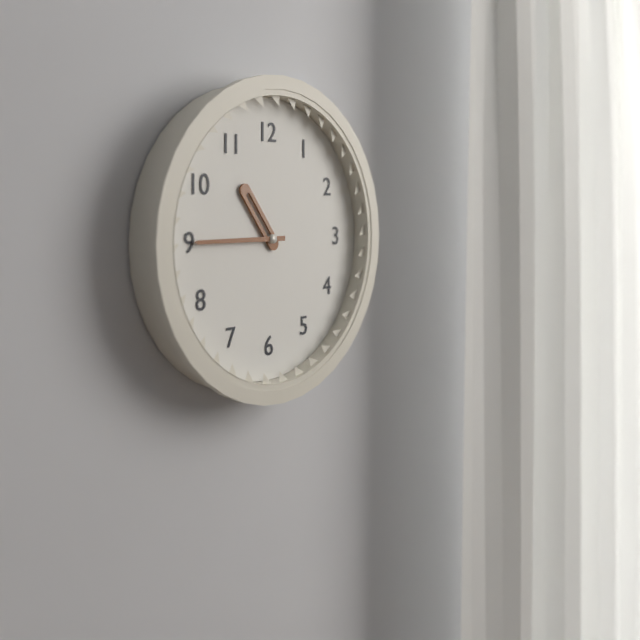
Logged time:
10h45
